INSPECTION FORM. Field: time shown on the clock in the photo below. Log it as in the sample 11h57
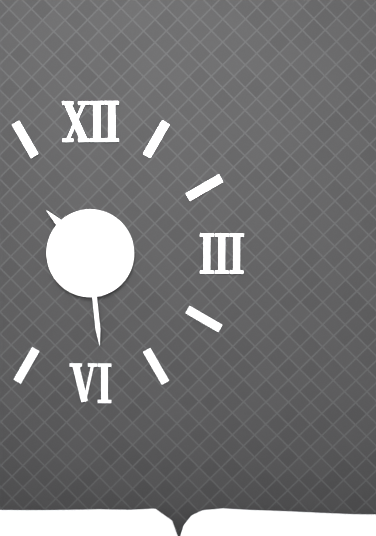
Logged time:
10h29
